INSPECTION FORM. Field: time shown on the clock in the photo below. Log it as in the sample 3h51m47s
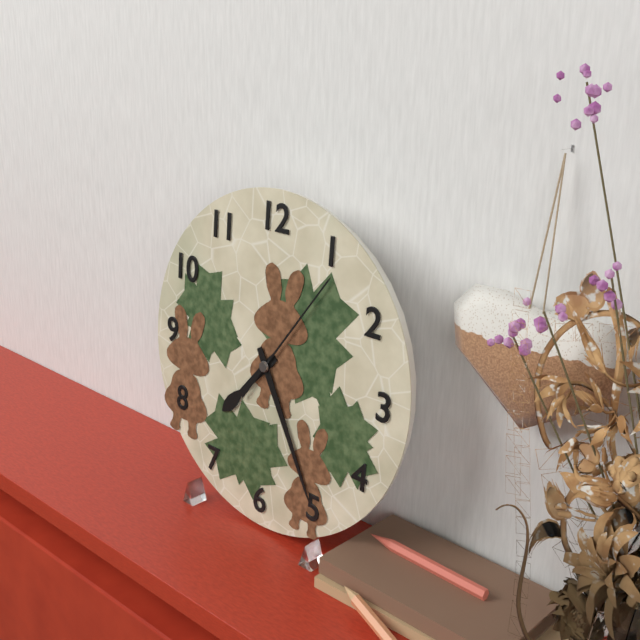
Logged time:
7h25m06s
